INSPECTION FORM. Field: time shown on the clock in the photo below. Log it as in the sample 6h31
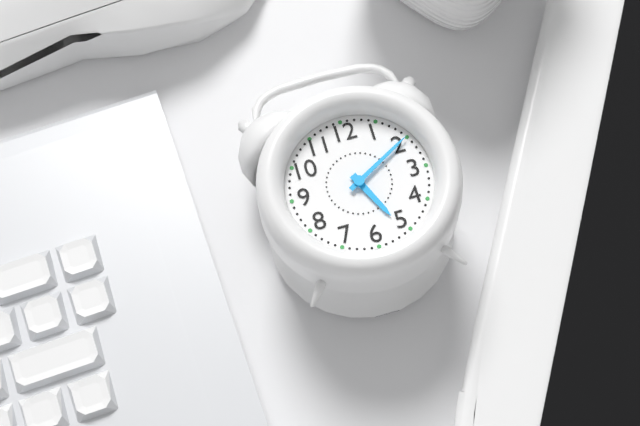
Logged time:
5h10
